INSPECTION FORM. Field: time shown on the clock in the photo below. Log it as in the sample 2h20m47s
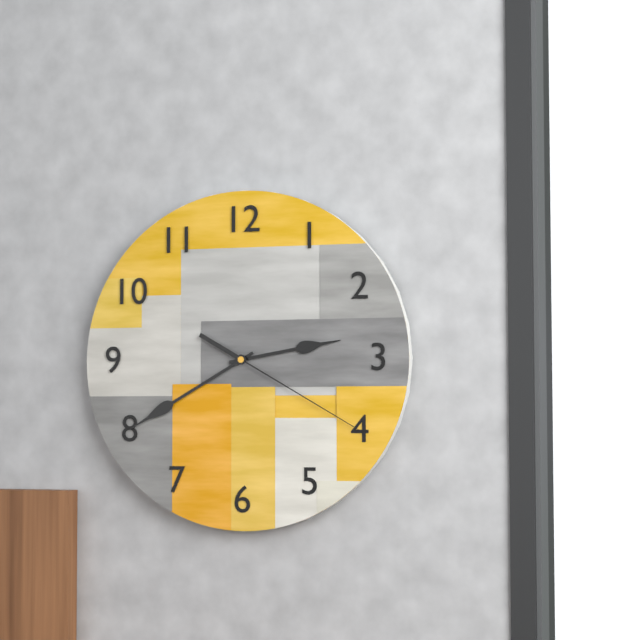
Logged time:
2h40m20s
